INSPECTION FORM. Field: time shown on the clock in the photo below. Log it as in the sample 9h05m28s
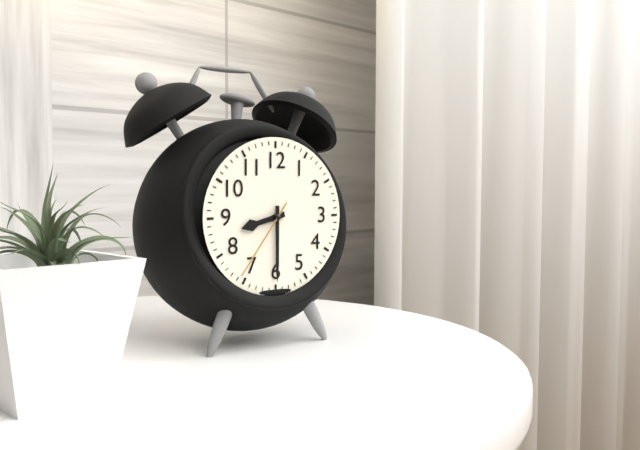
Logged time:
8h30m36s
